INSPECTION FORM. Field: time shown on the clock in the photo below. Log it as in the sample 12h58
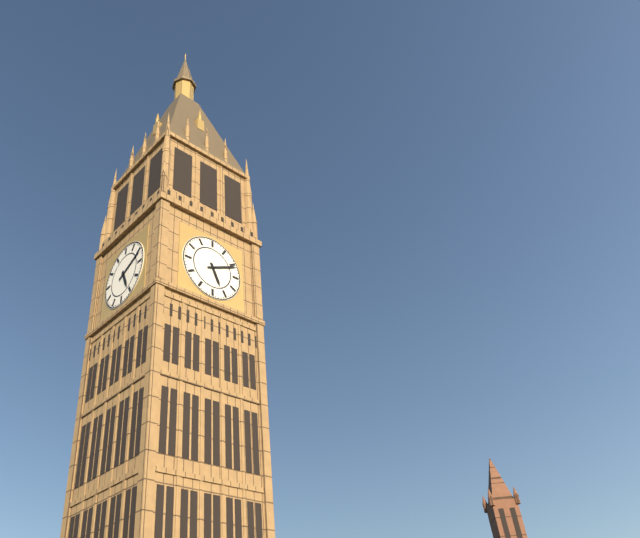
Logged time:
5h11
